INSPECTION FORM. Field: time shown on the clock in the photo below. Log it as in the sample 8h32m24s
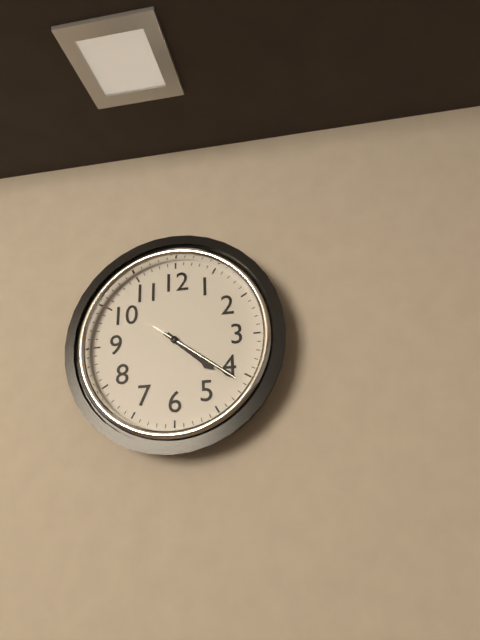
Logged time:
4h21m21s
